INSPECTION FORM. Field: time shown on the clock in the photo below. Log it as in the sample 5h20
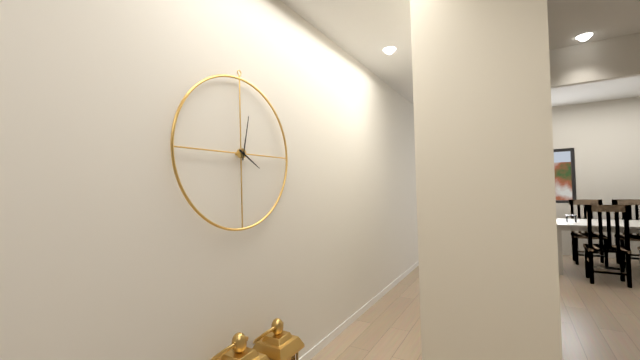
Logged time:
4h02
